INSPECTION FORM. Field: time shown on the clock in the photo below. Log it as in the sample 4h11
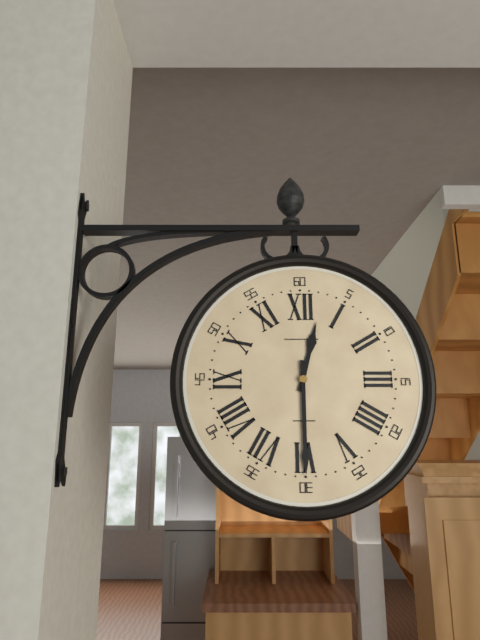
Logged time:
12h30
